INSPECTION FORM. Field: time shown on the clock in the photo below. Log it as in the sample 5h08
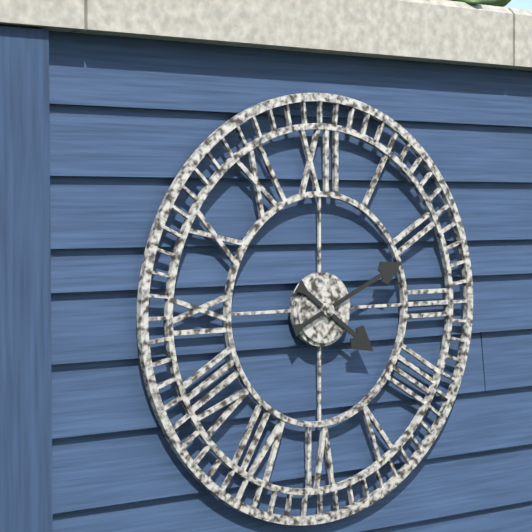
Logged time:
4h11
